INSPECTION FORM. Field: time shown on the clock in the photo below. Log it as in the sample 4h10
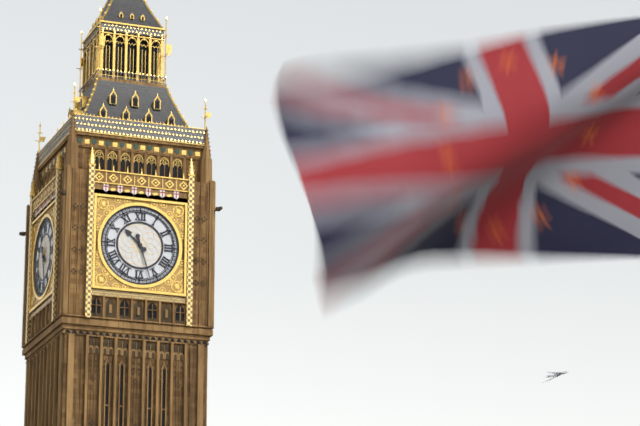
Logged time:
10h27
